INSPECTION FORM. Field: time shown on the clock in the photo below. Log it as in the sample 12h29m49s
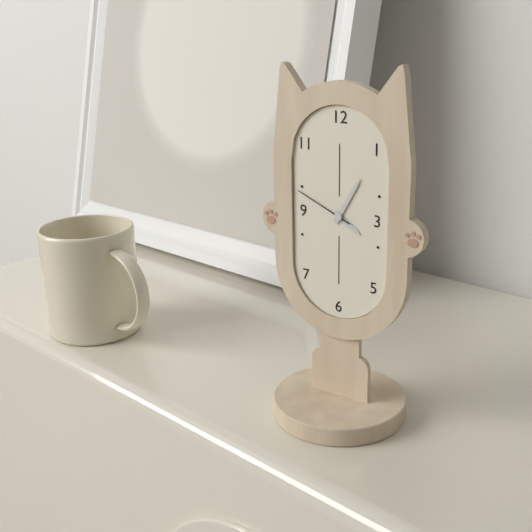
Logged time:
4h05m49s
